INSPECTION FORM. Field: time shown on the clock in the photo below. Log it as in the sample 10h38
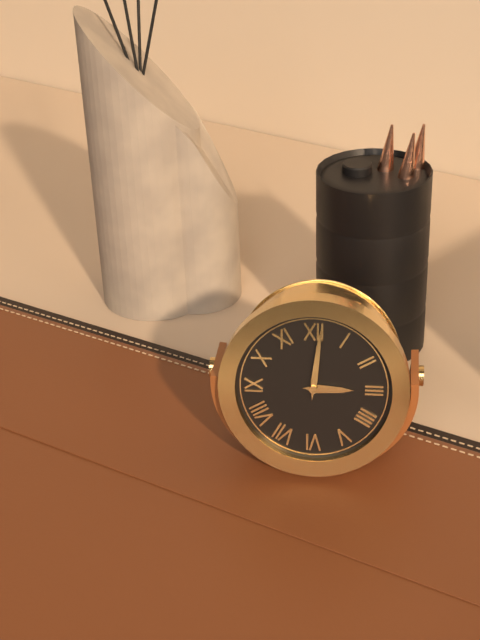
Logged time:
3h01
